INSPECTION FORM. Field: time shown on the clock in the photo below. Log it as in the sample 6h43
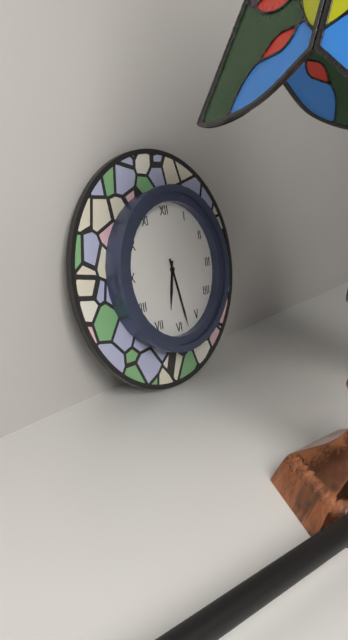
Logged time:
6h28
